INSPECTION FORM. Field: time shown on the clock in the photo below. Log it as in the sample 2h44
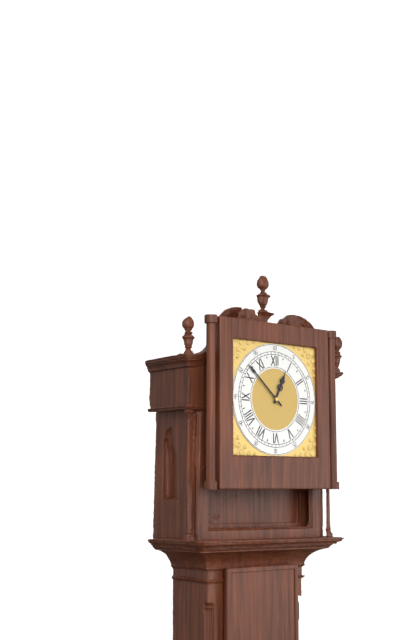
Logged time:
12h52
